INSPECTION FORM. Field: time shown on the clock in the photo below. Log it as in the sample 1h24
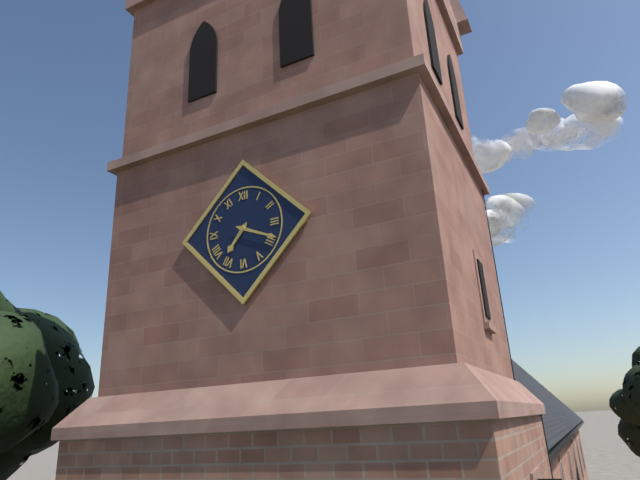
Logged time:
7h19
